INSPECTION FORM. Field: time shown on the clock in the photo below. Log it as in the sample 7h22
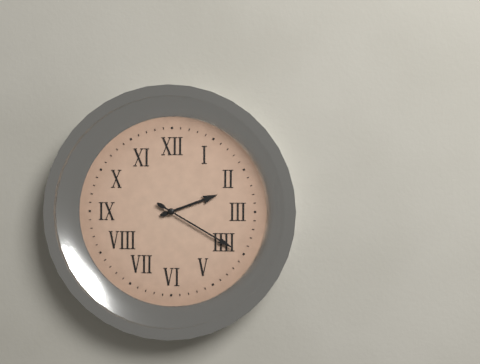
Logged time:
2h20
